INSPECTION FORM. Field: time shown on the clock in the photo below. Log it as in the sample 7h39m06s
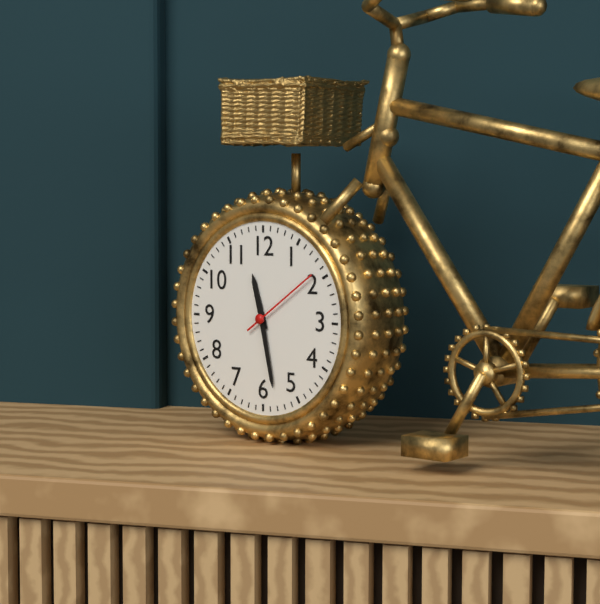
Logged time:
11h28m09s
